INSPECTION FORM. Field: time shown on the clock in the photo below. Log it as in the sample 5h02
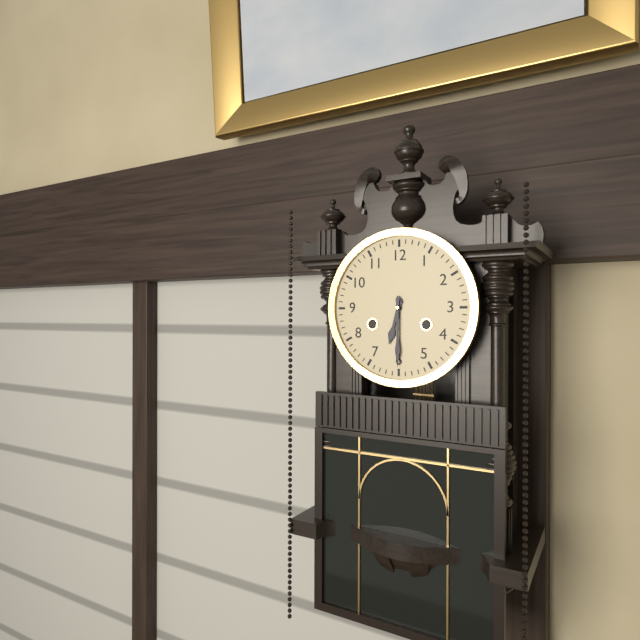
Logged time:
6h30
